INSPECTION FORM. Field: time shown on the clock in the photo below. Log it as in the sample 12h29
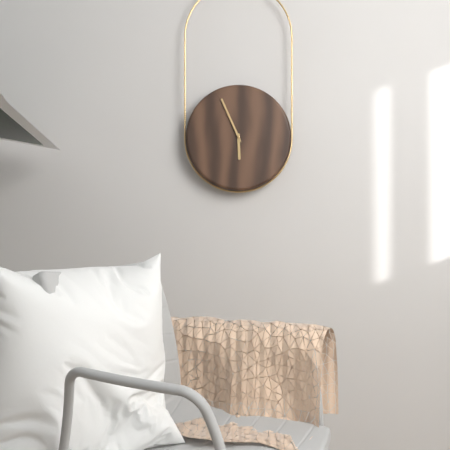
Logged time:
5h56
